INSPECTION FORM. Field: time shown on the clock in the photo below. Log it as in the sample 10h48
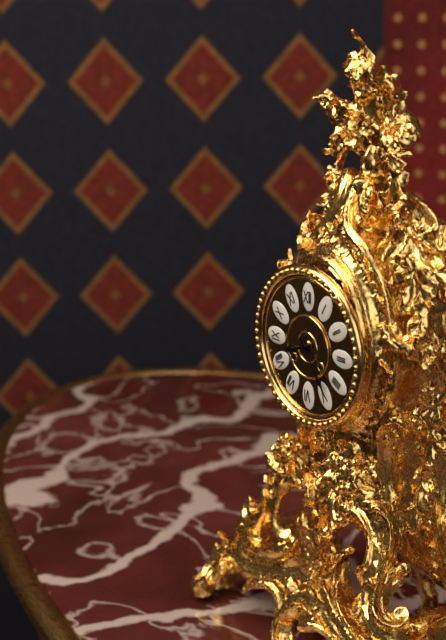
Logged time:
8h24
